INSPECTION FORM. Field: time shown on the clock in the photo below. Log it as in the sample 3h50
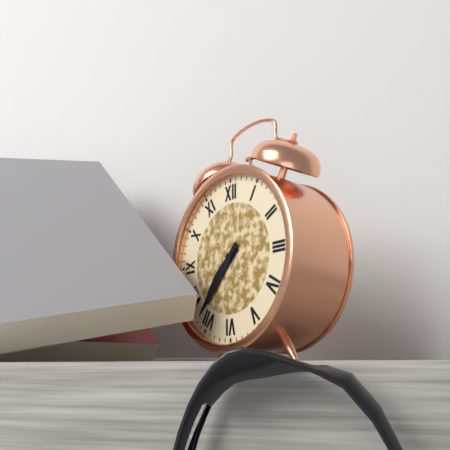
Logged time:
7h37
